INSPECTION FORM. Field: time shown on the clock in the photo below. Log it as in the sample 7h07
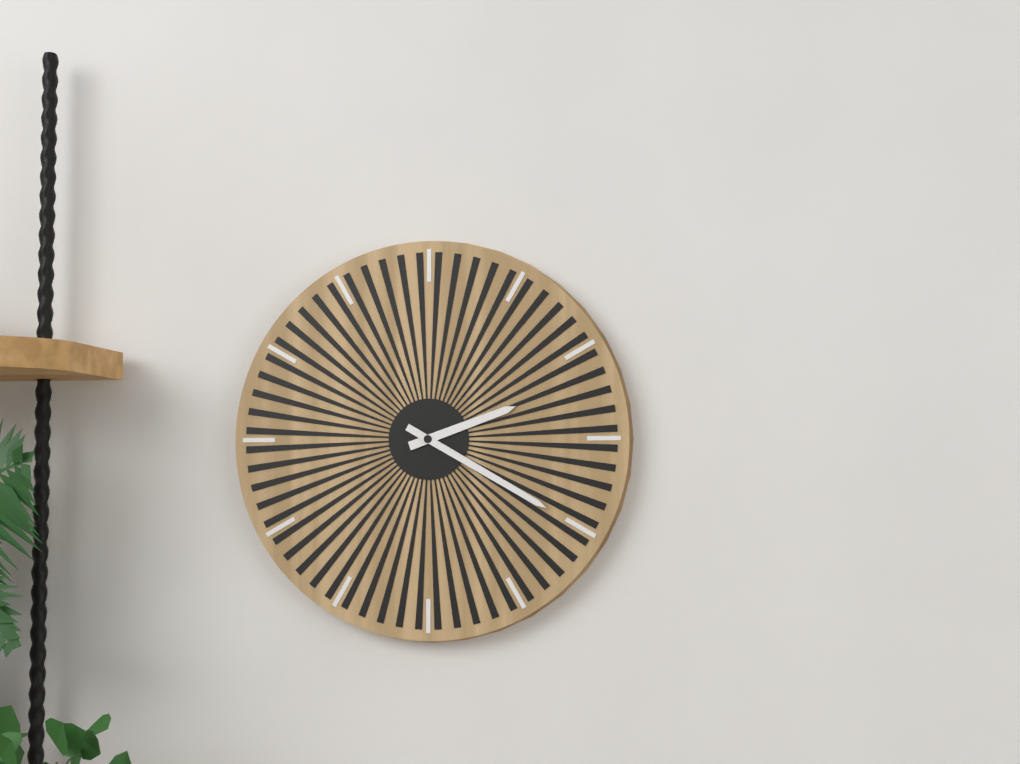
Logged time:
2h20
